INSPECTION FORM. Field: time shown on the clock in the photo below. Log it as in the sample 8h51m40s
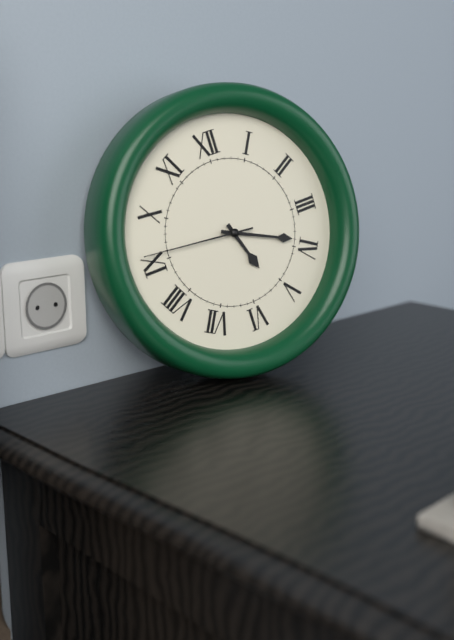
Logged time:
5h19m46s
